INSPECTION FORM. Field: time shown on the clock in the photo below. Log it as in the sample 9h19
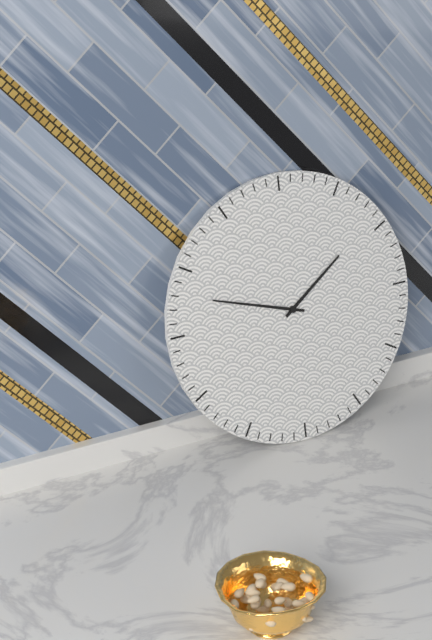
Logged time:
1h48
